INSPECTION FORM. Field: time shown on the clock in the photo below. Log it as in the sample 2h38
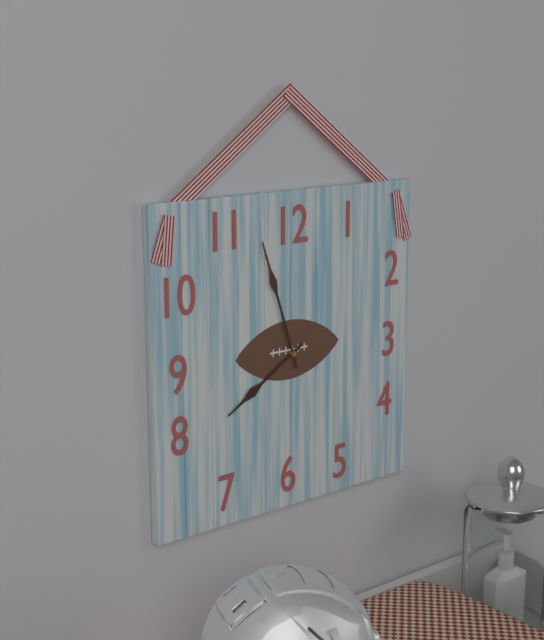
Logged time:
7h57
